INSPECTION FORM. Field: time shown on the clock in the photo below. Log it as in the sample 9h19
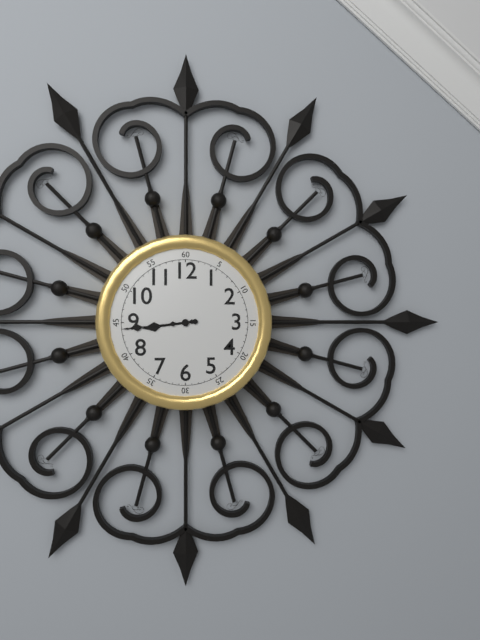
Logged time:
8h44
